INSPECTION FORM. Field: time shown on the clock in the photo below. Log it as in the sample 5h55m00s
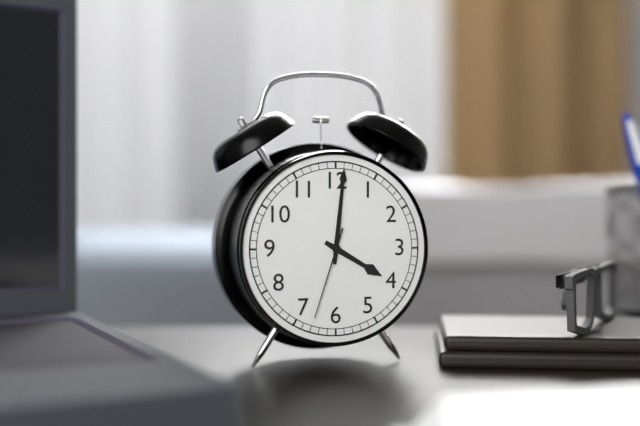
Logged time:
4h01m33s
